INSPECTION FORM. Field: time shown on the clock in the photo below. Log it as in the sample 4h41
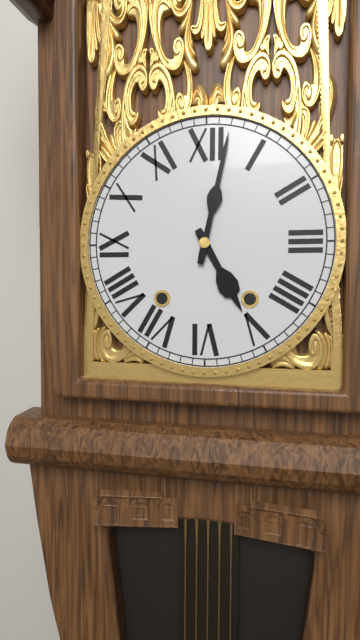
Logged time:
5h02
